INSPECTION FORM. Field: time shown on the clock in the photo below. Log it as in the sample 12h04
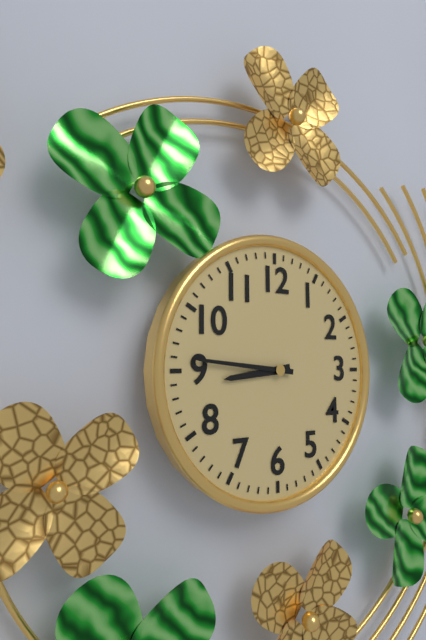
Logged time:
8h46
